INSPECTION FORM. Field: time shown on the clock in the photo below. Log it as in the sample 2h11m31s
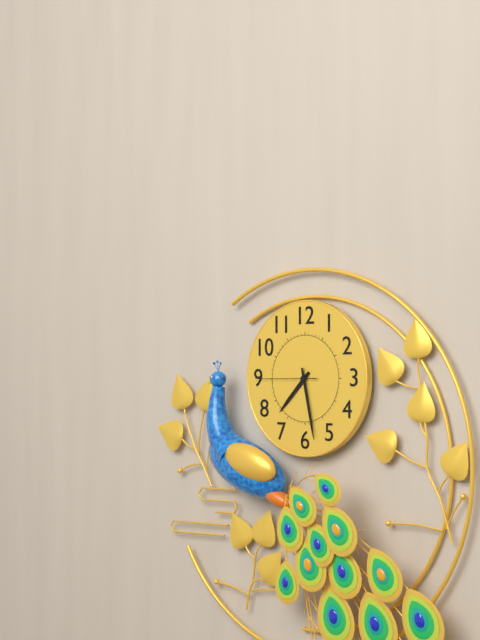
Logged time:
7h28m45s
